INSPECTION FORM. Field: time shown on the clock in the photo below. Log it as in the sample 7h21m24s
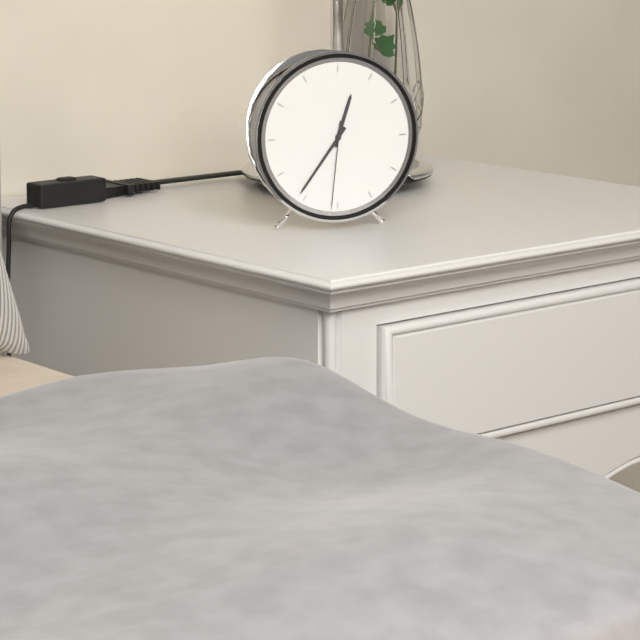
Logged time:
12h36m31s
